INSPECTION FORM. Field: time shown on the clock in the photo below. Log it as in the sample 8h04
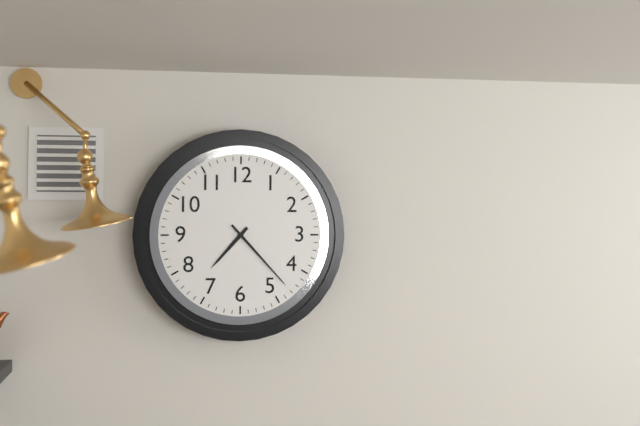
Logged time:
7h23
